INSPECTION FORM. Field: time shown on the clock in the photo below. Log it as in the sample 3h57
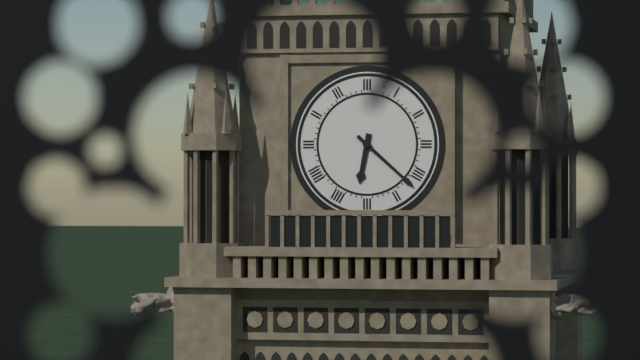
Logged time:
6h22
